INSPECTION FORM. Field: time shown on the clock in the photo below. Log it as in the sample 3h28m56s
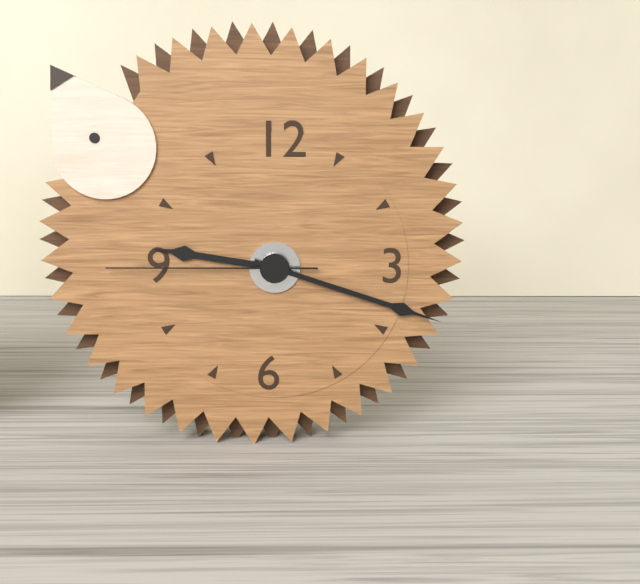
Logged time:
9h18m45s
